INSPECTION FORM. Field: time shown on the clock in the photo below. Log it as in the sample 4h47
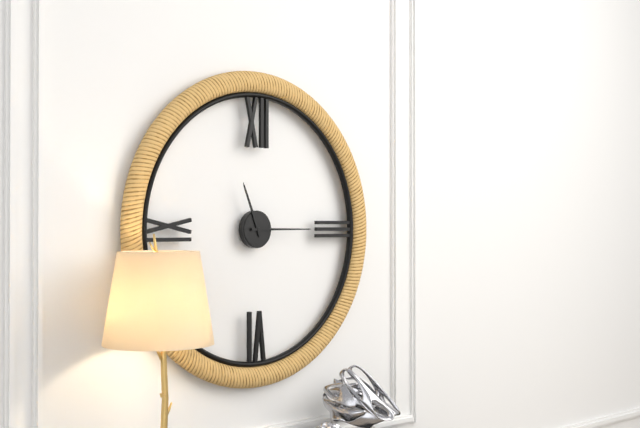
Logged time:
11h15
